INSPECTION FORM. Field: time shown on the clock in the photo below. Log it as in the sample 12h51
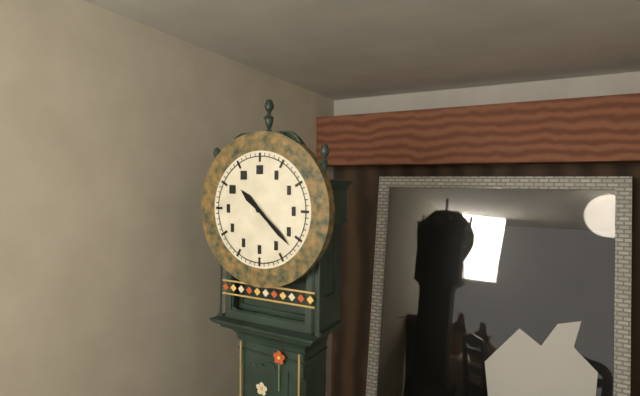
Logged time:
10h22
